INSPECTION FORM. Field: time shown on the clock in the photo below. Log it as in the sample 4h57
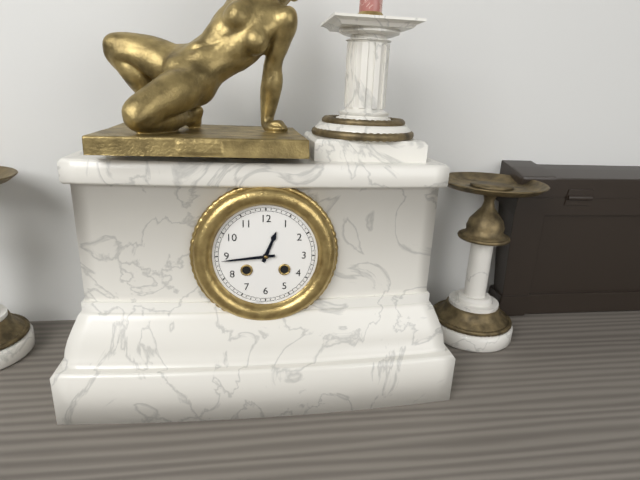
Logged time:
12h44
